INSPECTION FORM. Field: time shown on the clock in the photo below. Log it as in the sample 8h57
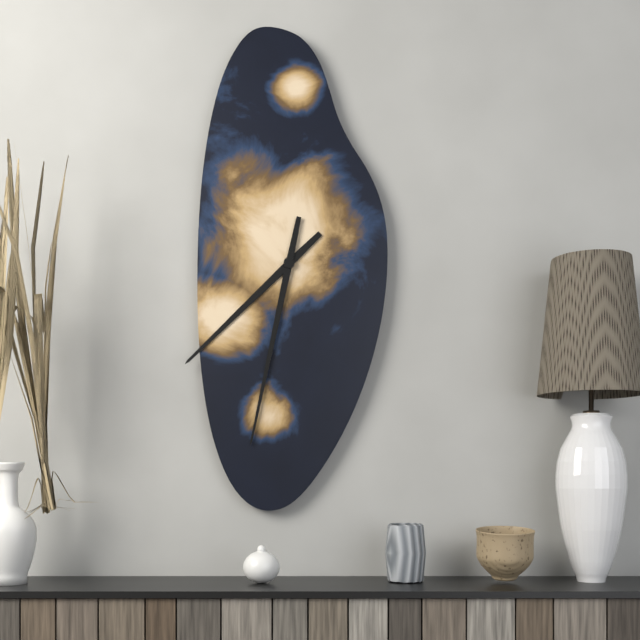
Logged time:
7h32
